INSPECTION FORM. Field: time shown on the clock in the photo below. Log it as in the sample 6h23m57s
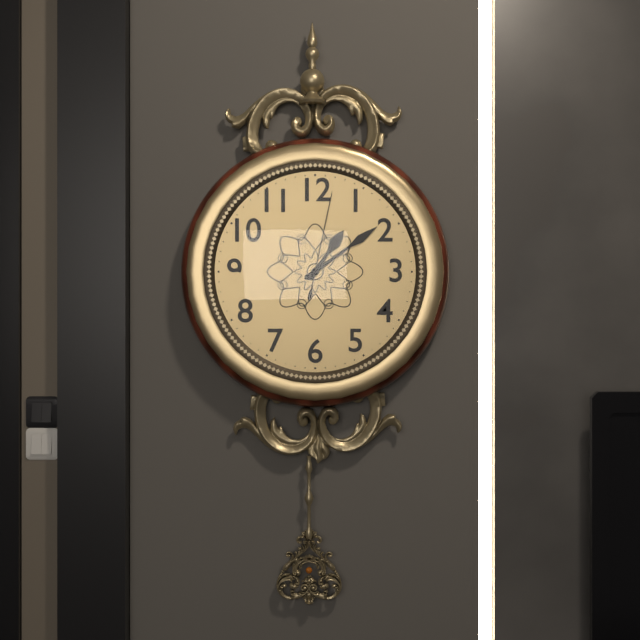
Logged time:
1h09m02s
